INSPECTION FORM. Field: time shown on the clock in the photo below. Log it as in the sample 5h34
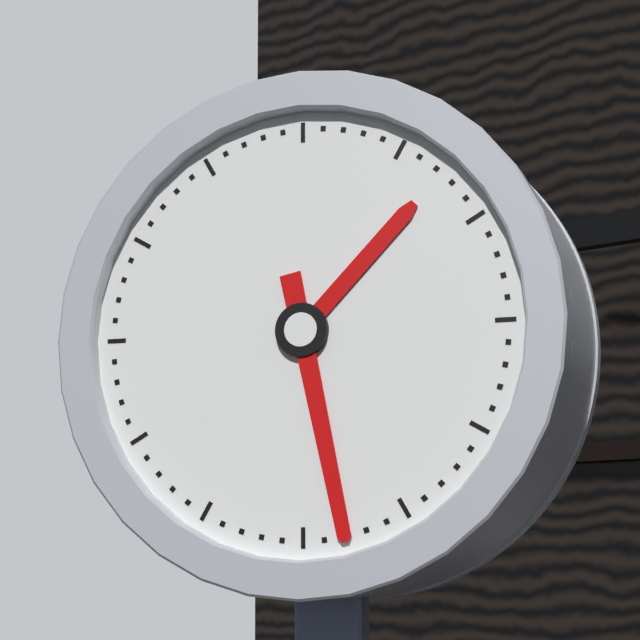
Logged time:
1h28
